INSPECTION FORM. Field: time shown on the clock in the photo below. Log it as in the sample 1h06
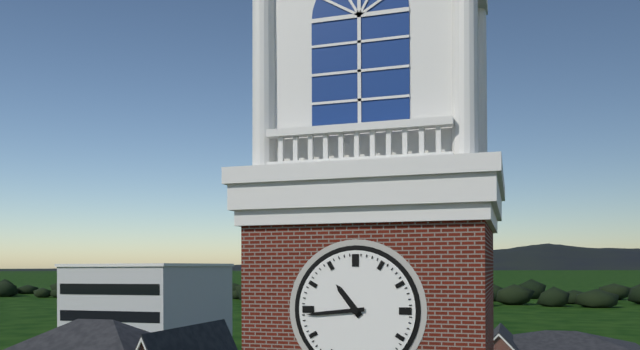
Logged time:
10h44
